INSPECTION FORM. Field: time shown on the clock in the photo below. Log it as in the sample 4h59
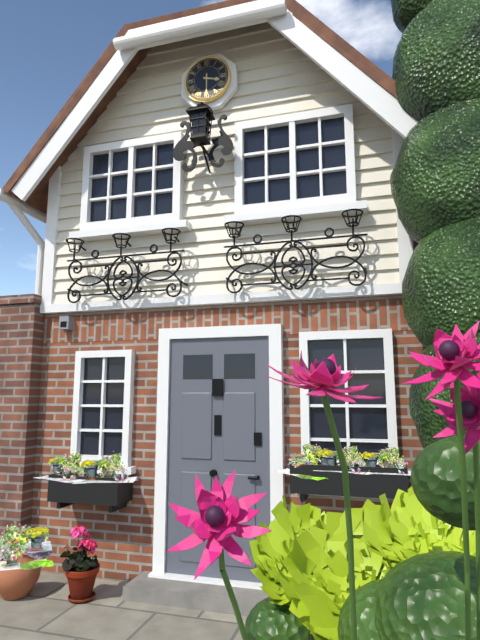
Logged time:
3h30
